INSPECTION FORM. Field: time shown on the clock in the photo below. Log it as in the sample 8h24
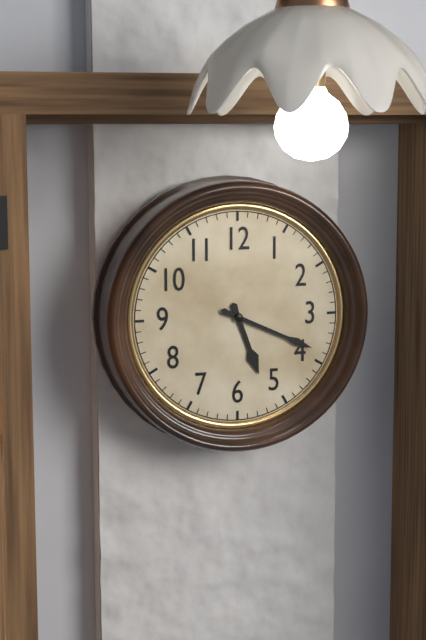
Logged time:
5h19
